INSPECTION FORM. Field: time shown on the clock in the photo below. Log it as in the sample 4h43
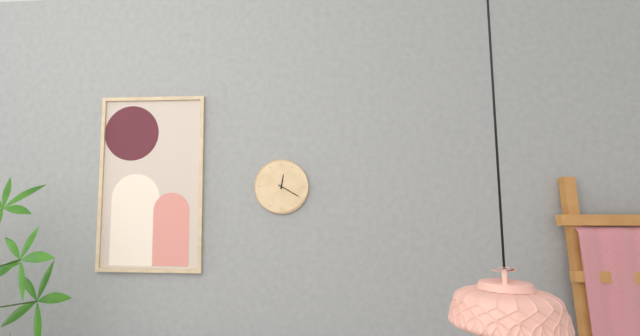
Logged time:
12h20
